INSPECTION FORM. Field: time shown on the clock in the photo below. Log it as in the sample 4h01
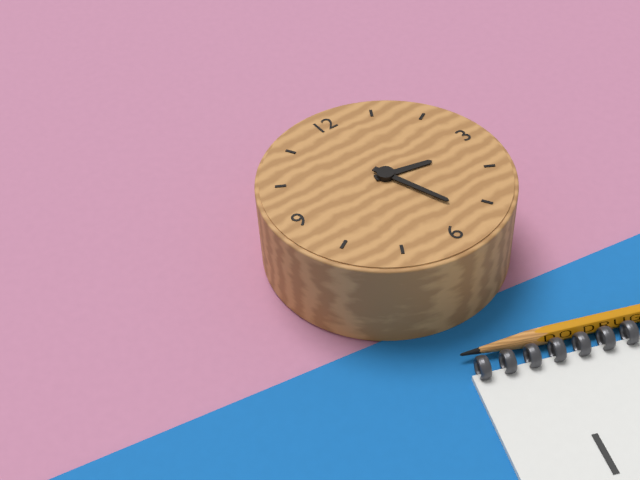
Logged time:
3h27
